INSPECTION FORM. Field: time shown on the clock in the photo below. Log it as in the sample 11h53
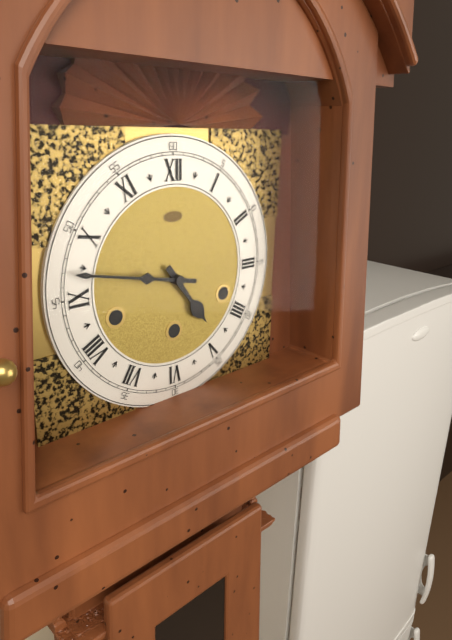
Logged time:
4h47
